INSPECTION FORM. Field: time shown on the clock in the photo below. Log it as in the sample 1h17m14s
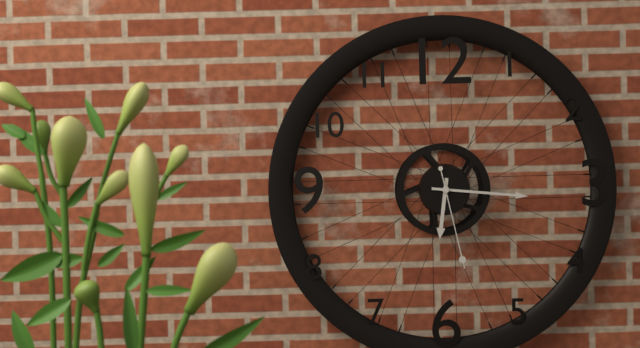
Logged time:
6h16m28s
